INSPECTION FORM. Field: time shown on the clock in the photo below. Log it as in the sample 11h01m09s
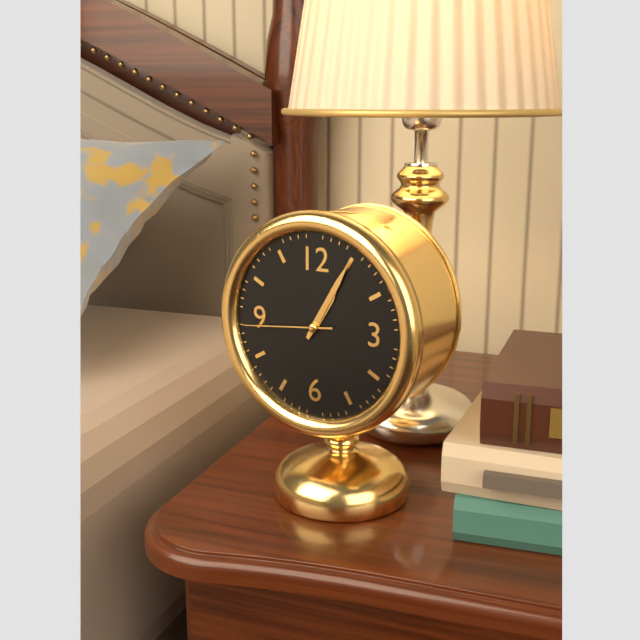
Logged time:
1h05m44s
